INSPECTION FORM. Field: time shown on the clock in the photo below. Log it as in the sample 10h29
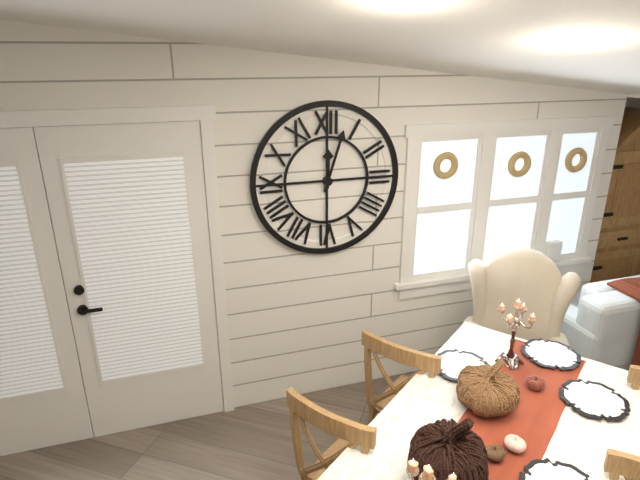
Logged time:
12h03
